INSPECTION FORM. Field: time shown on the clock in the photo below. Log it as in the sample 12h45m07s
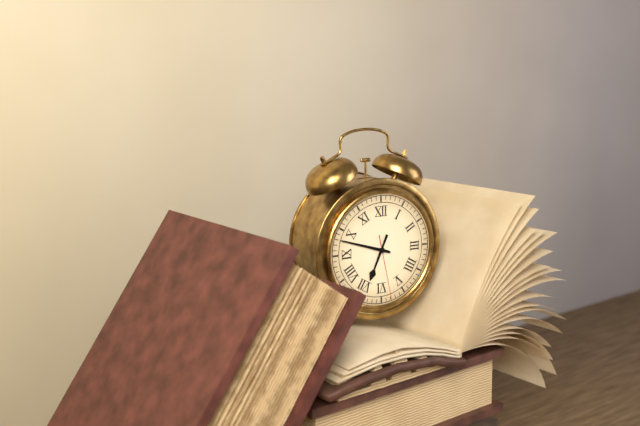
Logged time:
6h48m28s
